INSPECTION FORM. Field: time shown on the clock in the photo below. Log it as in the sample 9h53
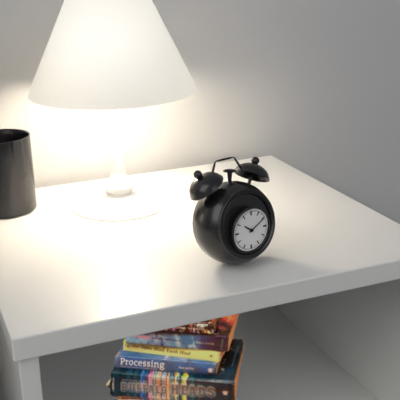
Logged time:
10h10
